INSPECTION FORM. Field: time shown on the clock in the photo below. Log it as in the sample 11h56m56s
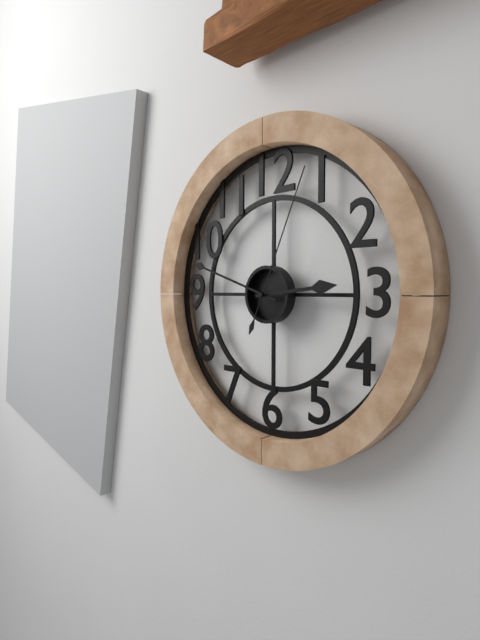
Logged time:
2h48m04s
